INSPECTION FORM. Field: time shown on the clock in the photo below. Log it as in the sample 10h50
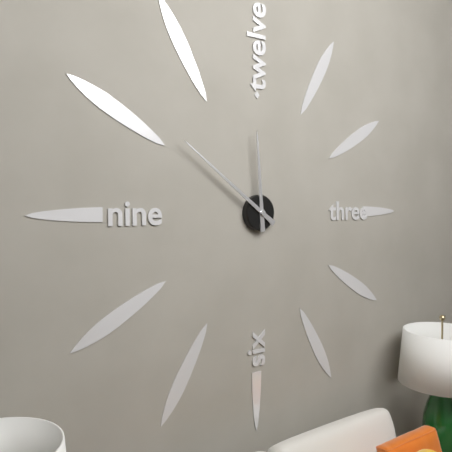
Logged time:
11h51
